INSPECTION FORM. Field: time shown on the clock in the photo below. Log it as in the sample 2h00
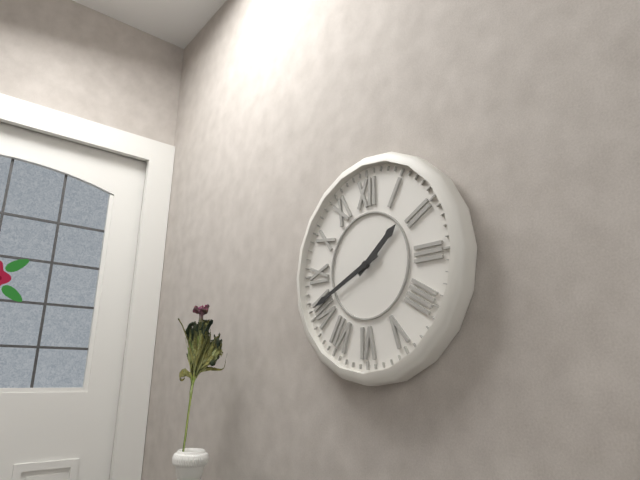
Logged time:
1h41
